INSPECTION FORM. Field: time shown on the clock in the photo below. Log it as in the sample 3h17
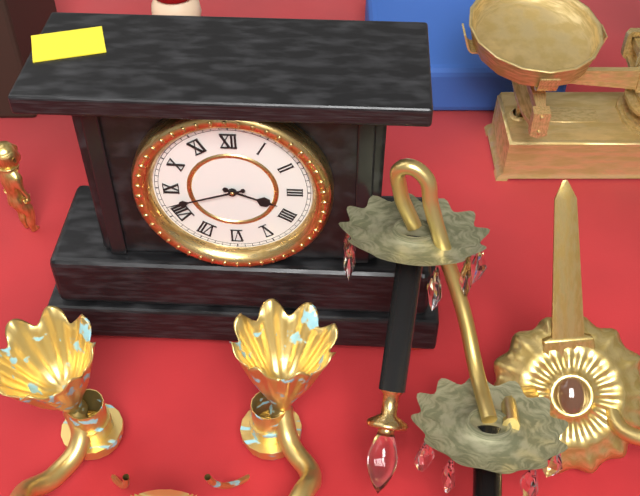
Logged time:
3h42
